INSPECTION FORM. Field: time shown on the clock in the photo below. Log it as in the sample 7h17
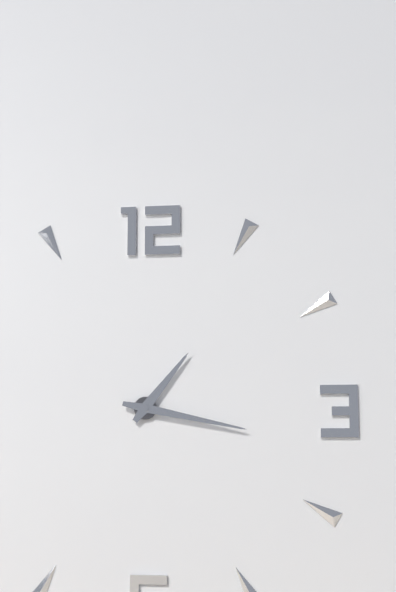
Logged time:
1h17
